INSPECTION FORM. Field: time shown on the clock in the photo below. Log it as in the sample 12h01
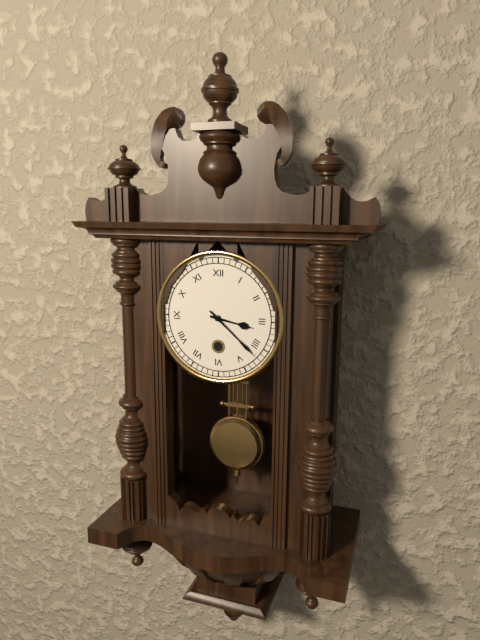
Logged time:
3h22
